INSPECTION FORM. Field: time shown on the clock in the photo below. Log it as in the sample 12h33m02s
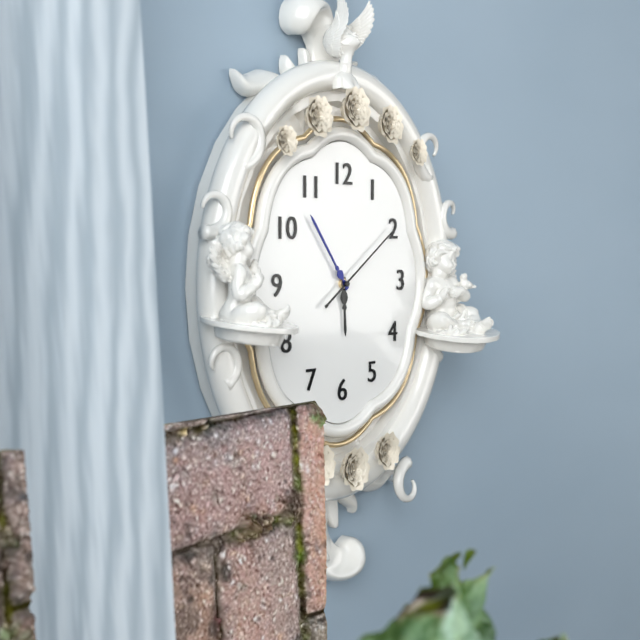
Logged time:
5h54m09s
